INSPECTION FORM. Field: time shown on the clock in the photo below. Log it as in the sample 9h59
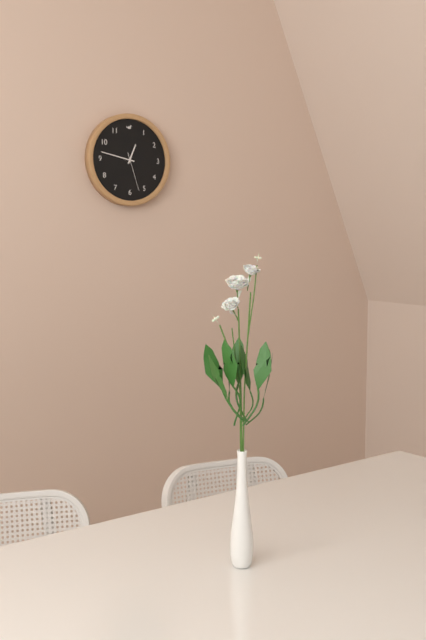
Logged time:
12h47
